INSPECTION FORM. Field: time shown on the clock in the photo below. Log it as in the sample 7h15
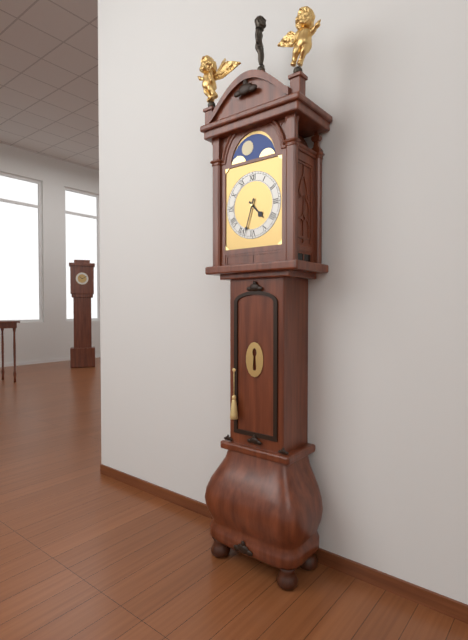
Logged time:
4h33
